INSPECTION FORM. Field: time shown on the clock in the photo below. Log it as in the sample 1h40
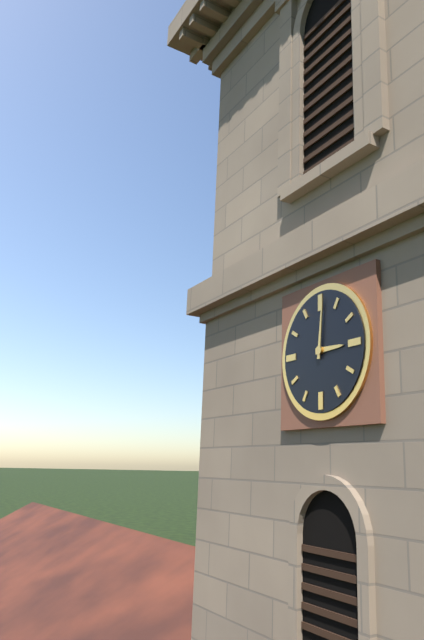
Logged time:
3h01
